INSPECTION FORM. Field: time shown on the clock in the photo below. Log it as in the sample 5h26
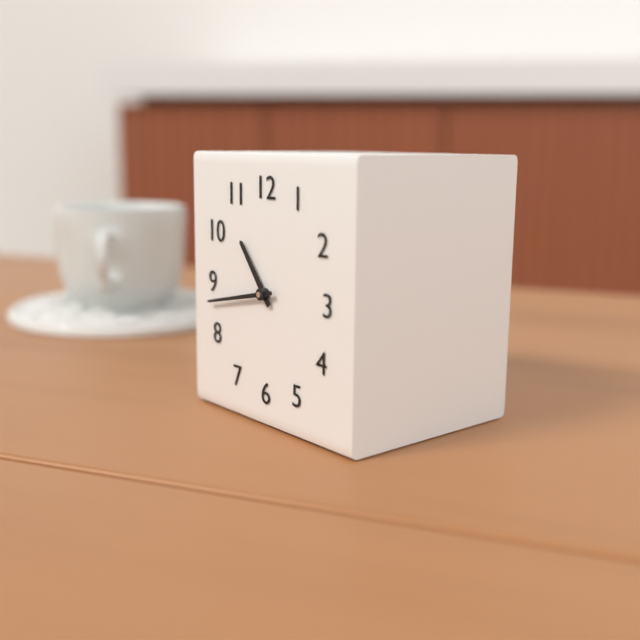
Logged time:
10h43
